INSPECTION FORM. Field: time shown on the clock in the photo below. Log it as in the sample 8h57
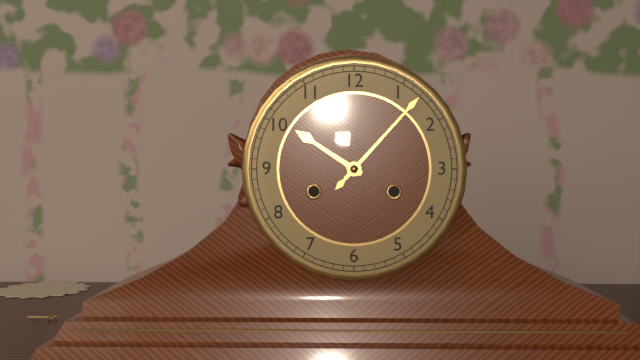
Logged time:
10h07
